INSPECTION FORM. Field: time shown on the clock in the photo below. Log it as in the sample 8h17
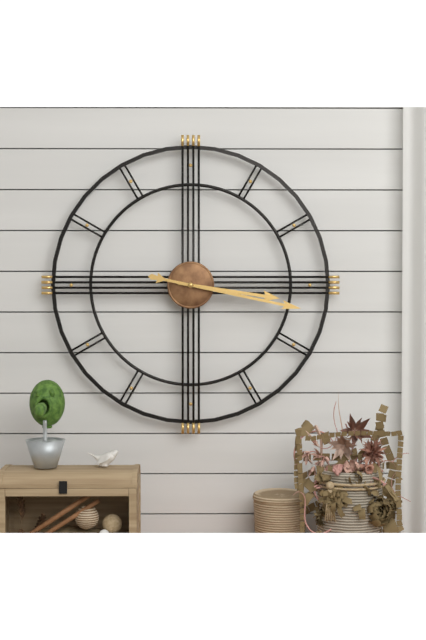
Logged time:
3h17
